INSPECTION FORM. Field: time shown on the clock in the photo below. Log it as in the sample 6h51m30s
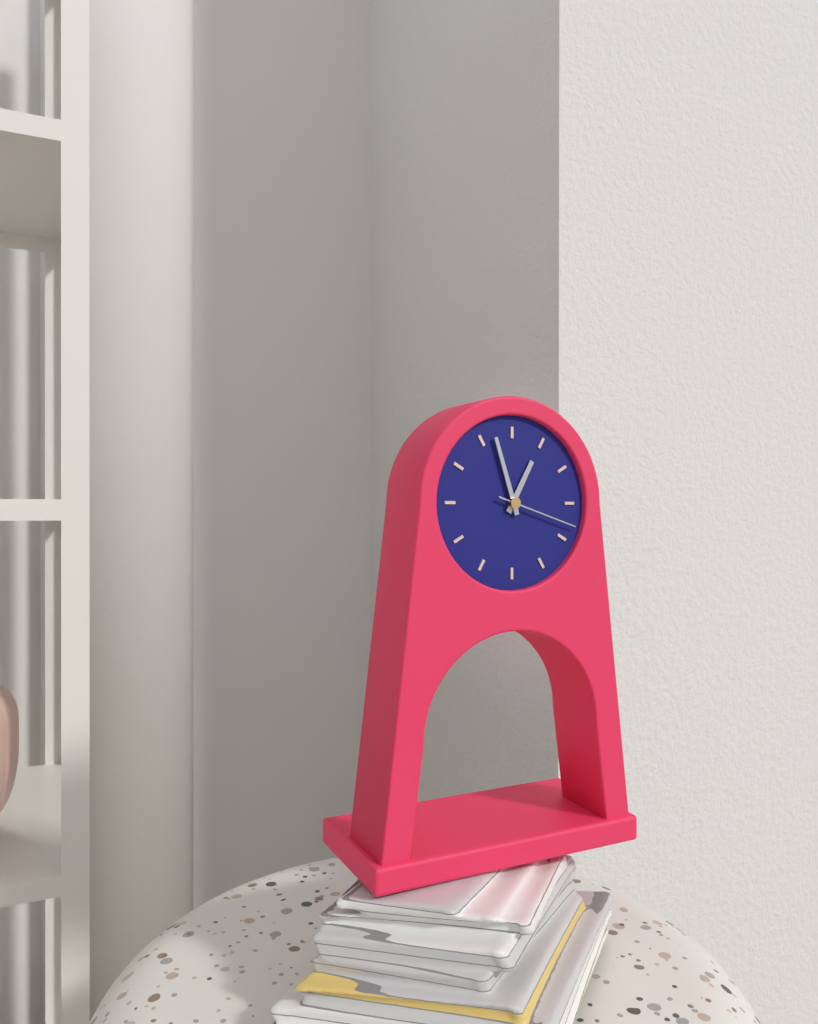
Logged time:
12h57m18s
